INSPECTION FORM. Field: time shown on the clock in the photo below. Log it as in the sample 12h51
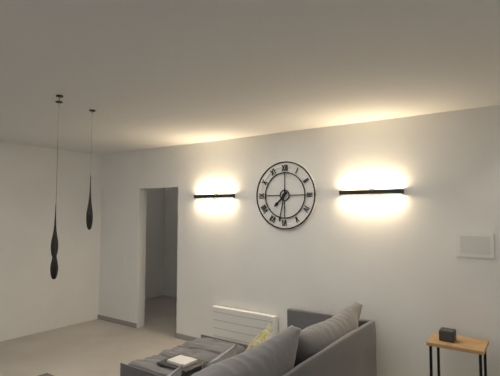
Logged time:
7h32
